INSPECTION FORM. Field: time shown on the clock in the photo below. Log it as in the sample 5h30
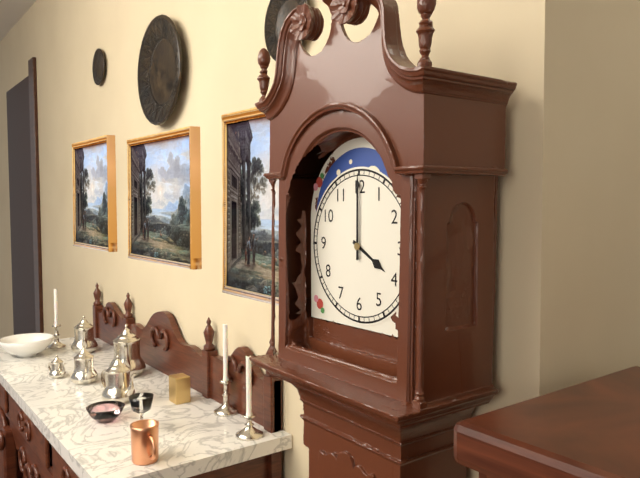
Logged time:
4h00
